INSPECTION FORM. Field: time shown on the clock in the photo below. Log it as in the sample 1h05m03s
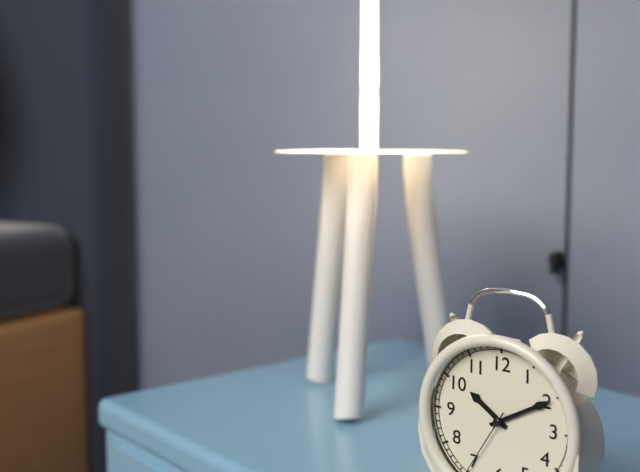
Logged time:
10h10m35s
